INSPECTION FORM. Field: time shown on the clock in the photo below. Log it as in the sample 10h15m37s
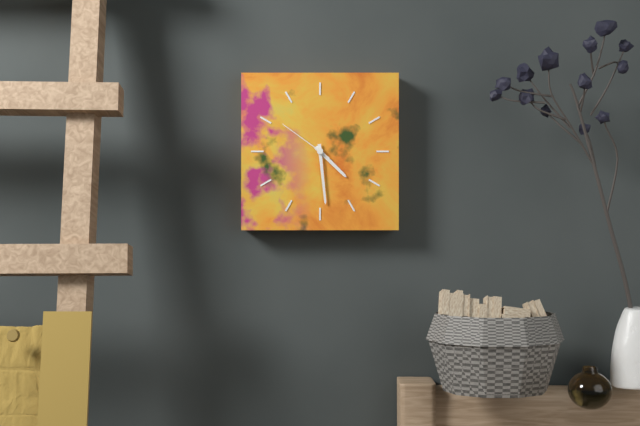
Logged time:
4h29m51s
